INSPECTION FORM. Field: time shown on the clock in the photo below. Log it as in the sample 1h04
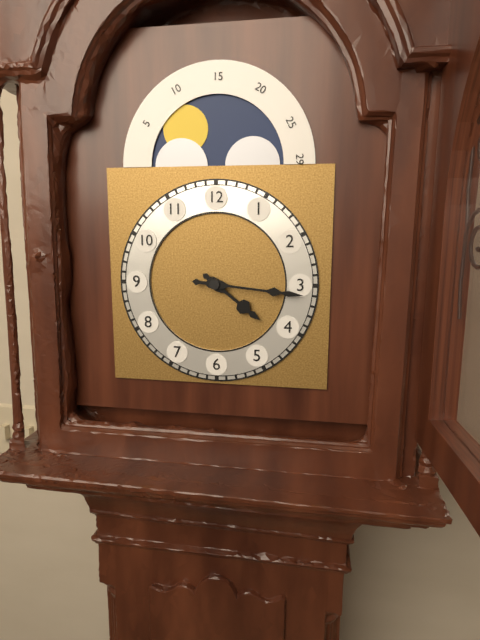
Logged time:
4h16
